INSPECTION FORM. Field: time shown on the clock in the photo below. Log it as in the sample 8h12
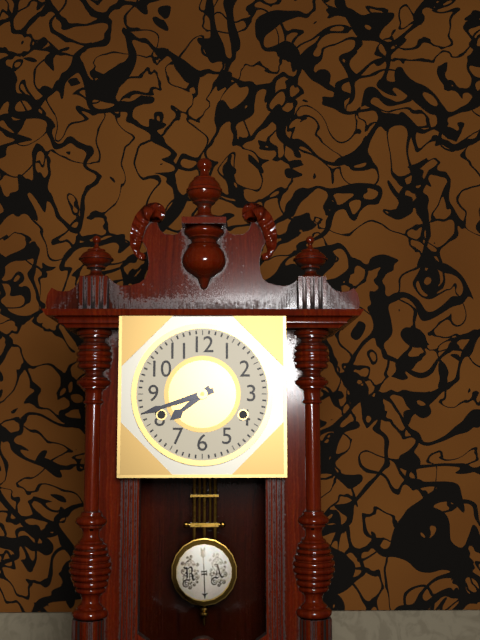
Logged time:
7h42
